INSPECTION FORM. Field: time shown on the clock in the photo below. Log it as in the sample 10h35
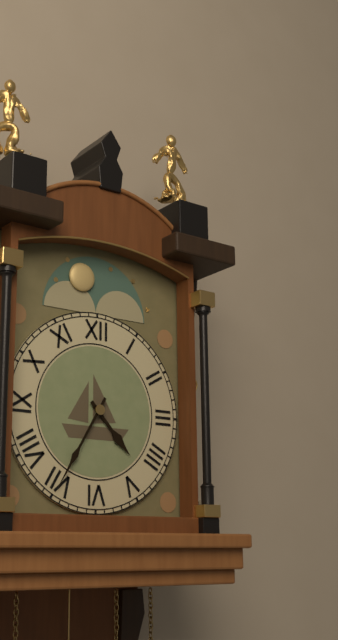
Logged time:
4h35
